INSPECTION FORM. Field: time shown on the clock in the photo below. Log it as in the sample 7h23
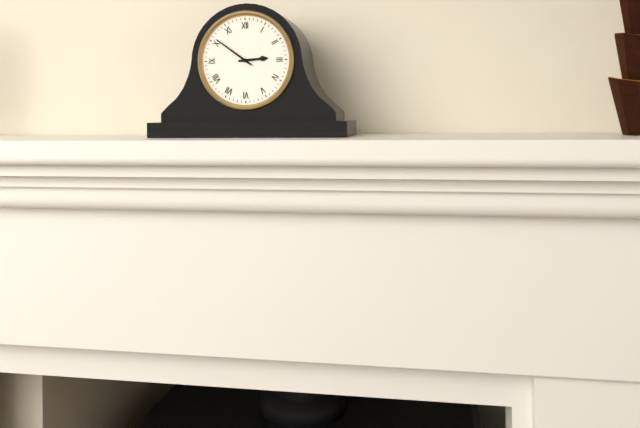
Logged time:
2h51
